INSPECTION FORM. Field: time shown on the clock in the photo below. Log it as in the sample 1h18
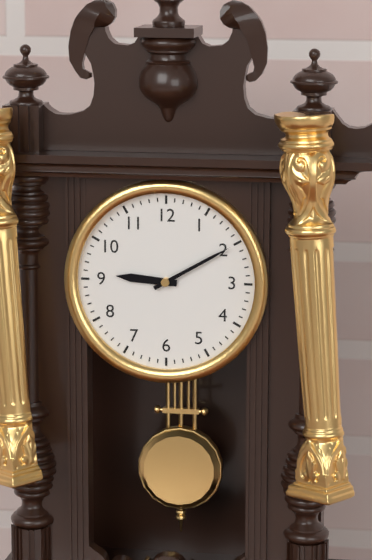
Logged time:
9h10
